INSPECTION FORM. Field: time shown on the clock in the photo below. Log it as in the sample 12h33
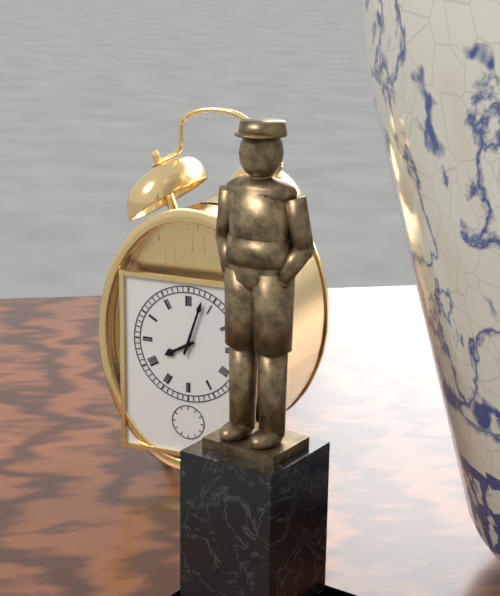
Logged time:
8h03
